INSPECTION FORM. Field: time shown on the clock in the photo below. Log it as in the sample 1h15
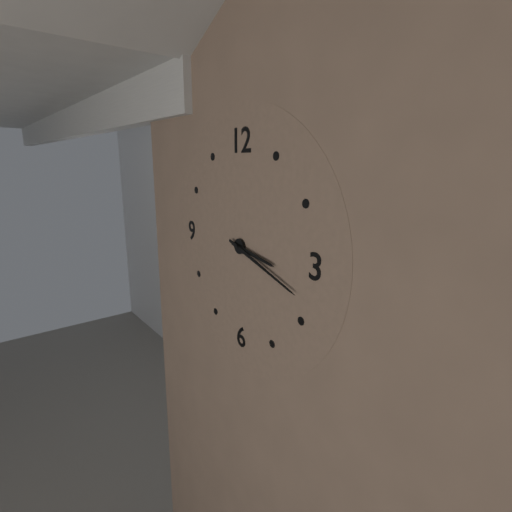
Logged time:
3h18
